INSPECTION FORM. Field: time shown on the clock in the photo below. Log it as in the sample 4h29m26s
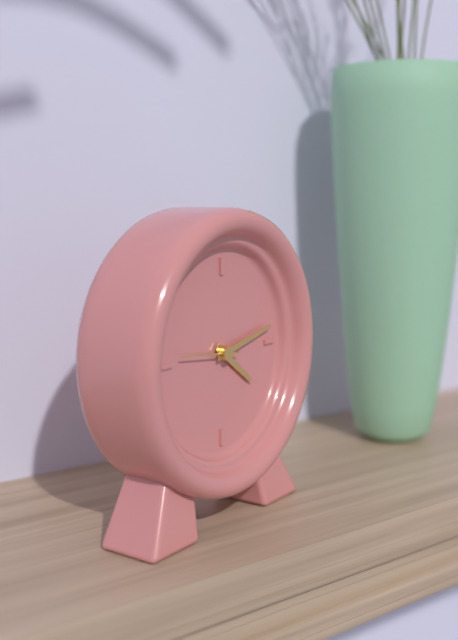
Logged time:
4h13m46s
